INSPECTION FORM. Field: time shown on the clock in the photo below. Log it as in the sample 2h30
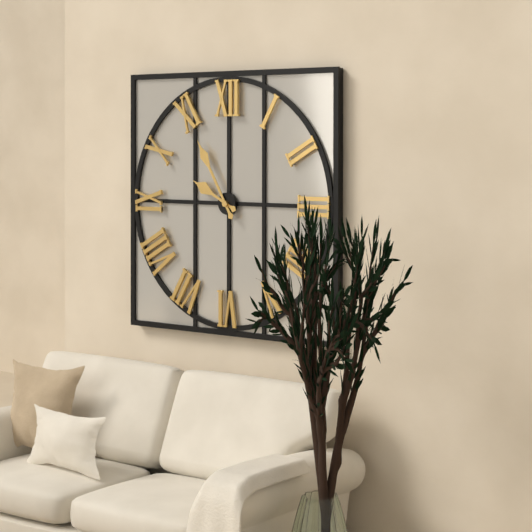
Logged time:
9h55
